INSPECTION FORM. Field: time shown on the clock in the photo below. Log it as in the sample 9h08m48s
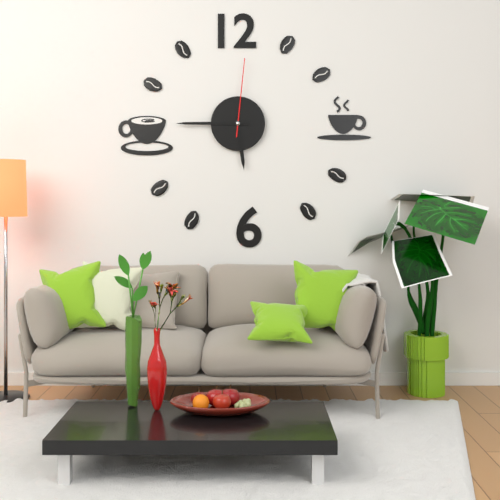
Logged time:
5h45m01s
